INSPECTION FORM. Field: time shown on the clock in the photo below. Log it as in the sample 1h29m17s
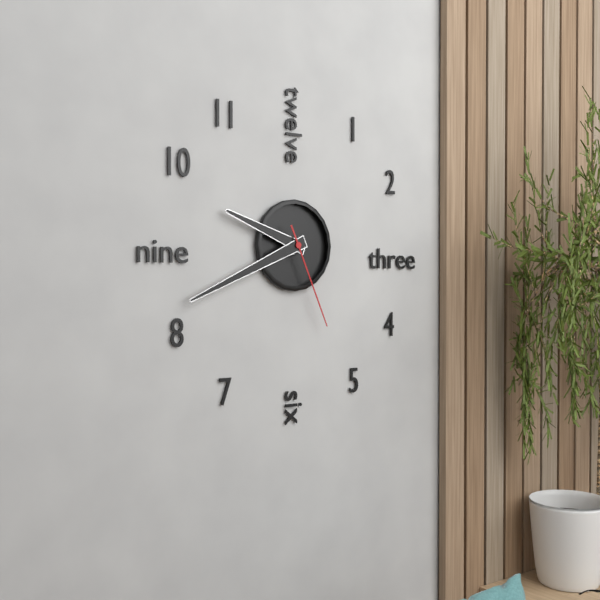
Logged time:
9h41m26s
